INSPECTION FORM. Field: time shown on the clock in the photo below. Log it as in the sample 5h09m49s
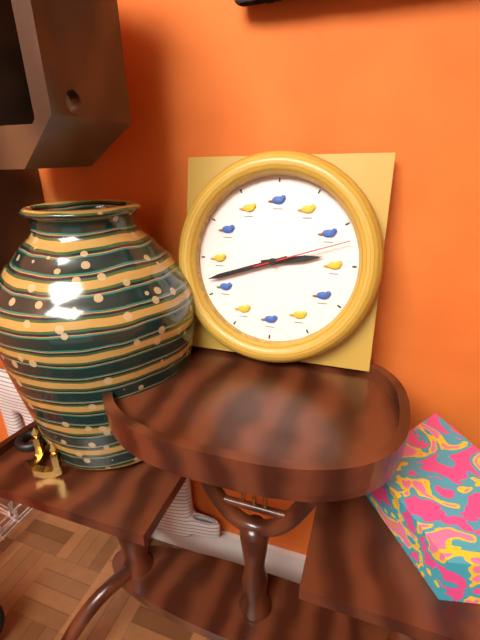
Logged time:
2h42m12s
